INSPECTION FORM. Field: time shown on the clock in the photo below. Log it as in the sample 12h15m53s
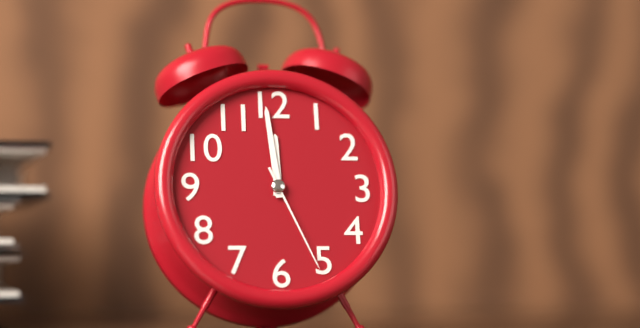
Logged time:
11h59m26s
